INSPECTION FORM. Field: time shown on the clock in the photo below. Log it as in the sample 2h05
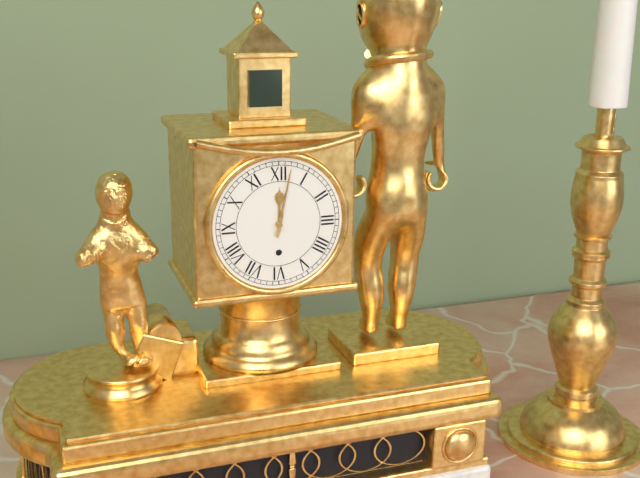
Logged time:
12h02
